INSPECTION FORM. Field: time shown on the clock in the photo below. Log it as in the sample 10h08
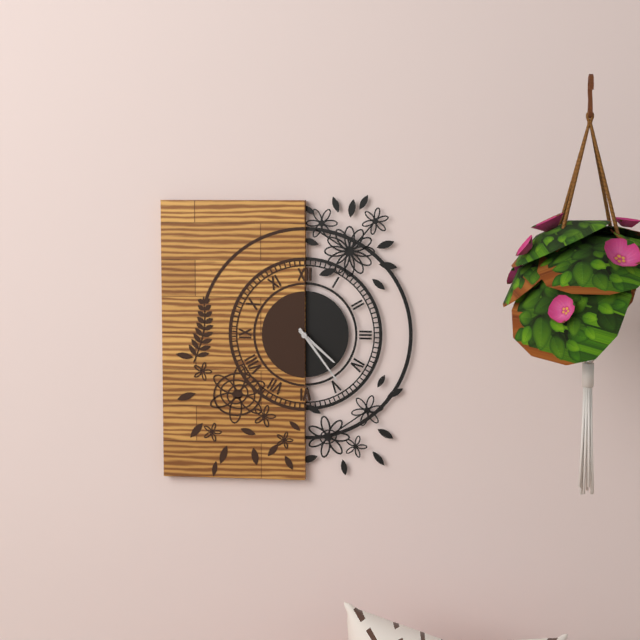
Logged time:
4h24
